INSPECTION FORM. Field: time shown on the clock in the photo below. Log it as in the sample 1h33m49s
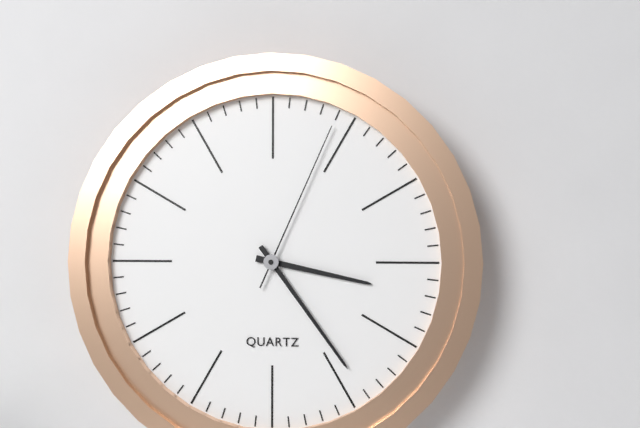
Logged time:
3h24m04s
